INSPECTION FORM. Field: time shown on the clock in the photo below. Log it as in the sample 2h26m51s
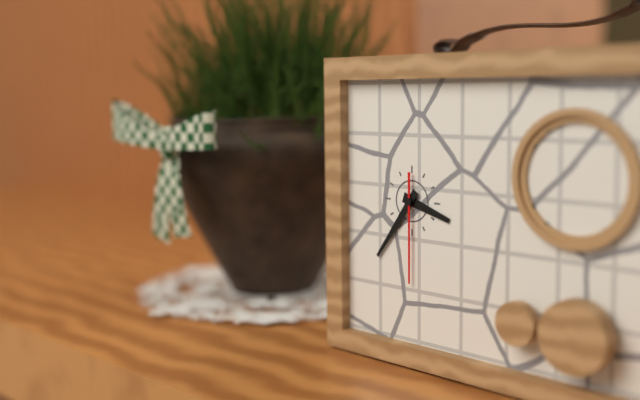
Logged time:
3h36m30s
